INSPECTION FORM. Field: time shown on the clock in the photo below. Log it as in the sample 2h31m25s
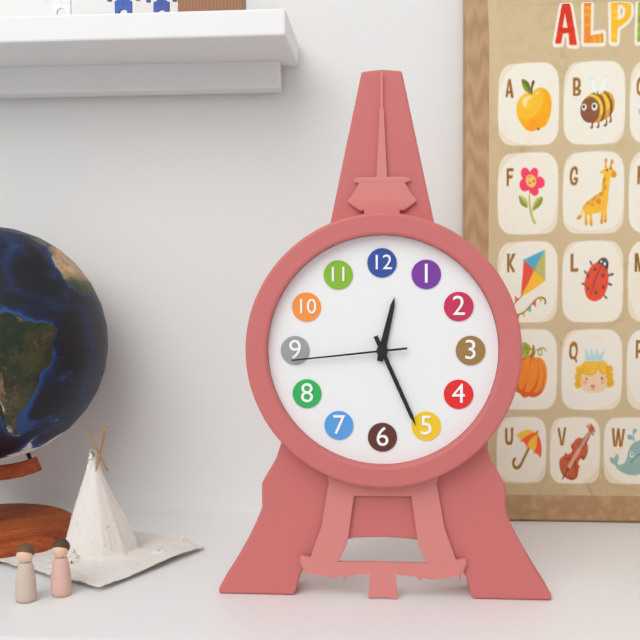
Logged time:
12h26m44s
